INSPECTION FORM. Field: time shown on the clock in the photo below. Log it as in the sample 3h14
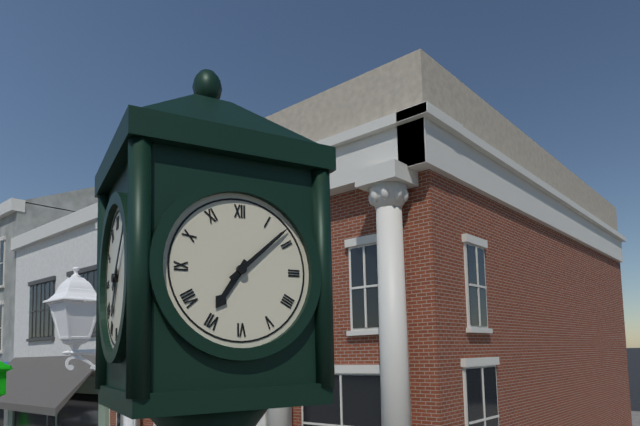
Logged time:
7h08
